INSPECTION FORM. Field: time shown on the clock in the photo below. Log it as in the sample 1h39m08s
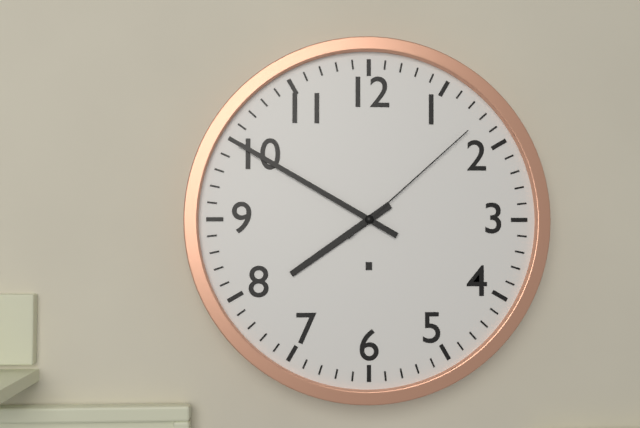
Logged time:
7h50m08s
